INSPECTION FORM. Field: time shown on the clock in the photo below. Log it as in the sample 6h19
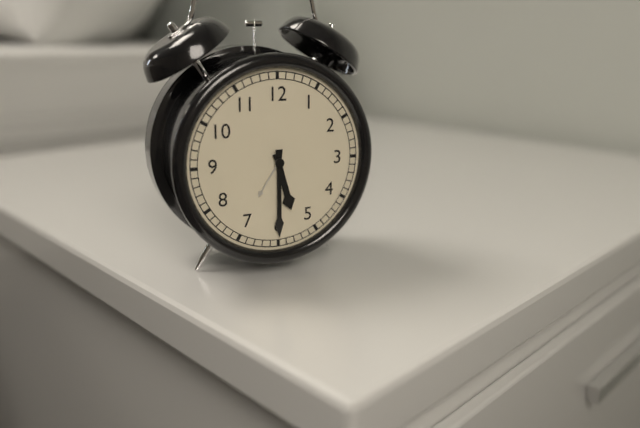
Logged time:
5h30
